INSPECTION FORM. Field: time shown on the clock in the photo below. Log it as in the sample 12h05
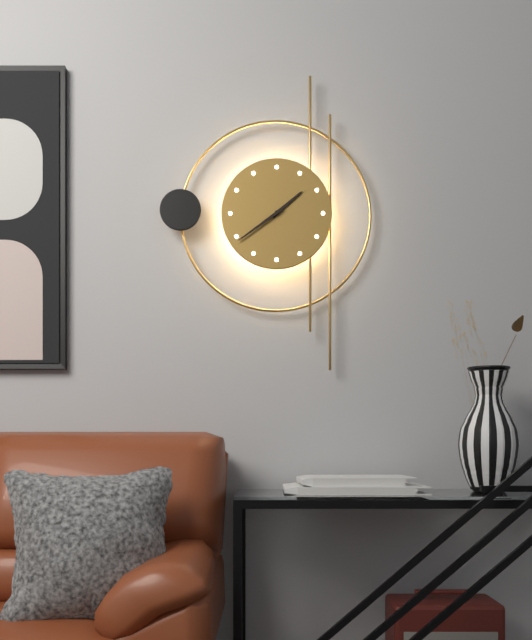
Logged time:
1h39
